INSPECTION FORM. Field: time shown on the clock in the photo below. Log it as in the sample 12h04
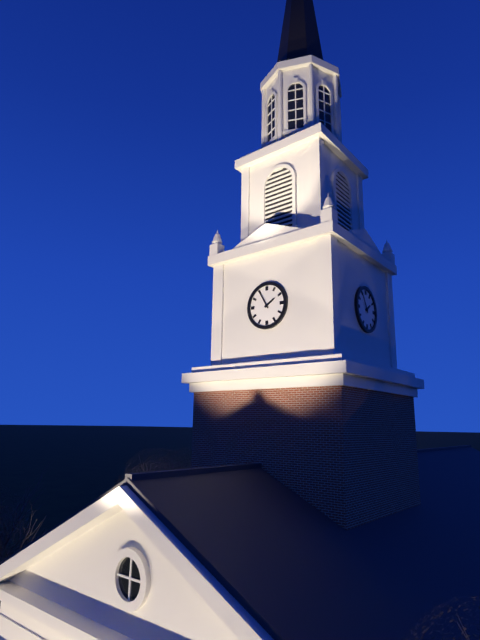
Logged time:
1h55
